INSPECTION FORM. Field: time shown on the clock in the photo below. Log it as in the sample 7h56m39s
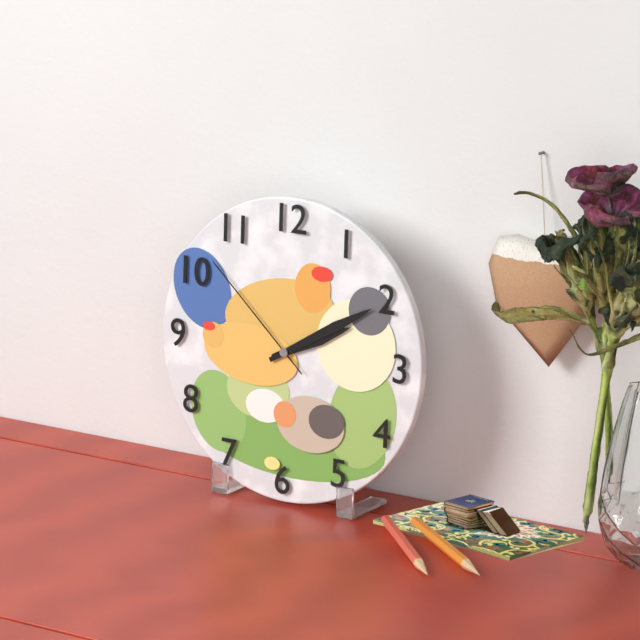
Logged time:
2h10m52s
